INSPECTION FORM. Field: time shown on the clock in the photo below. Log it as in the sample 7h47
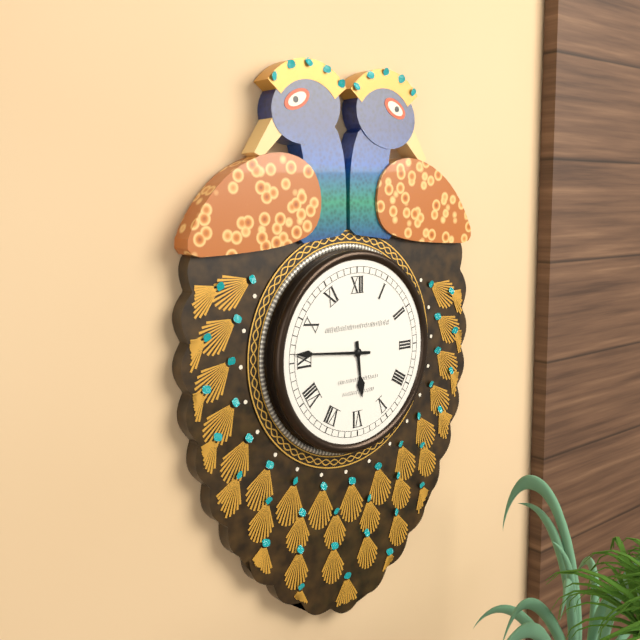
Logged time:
5h46
